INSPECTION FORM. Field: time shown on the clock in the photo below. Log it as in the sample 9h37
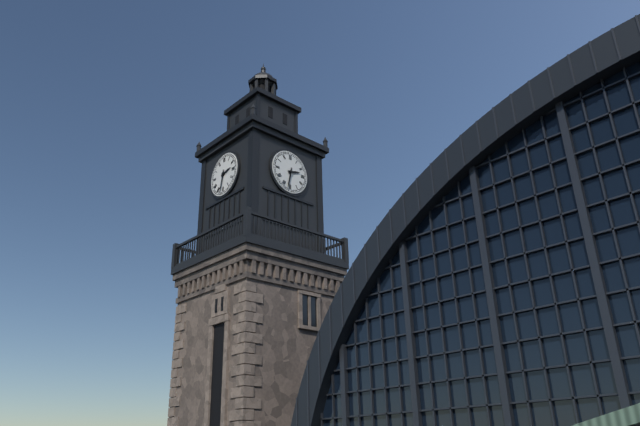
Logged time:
2h32
